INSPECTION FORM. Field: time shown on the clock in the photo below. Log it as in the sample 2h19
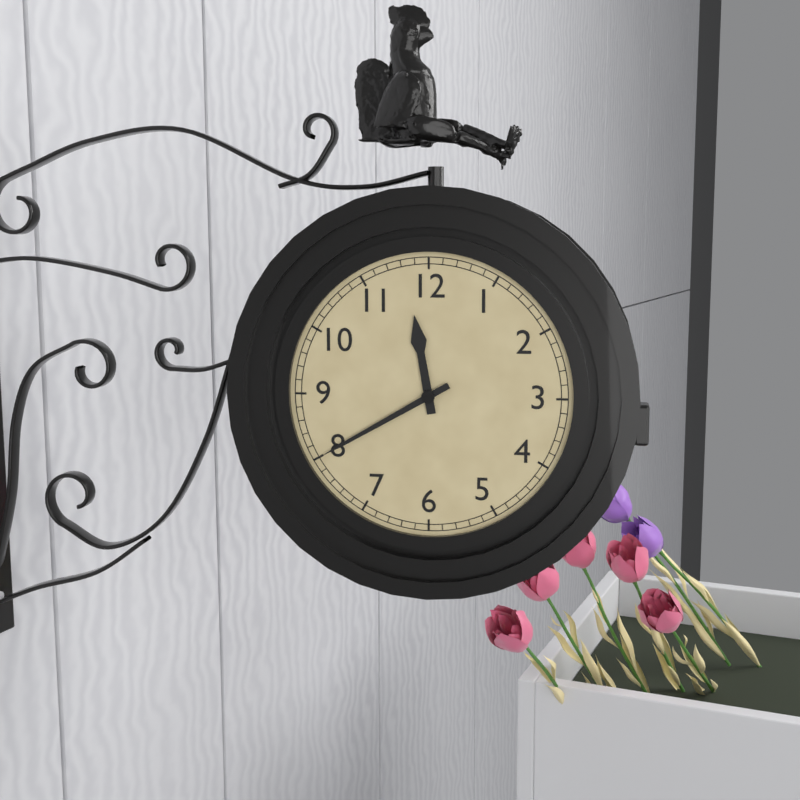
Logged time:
11h40
